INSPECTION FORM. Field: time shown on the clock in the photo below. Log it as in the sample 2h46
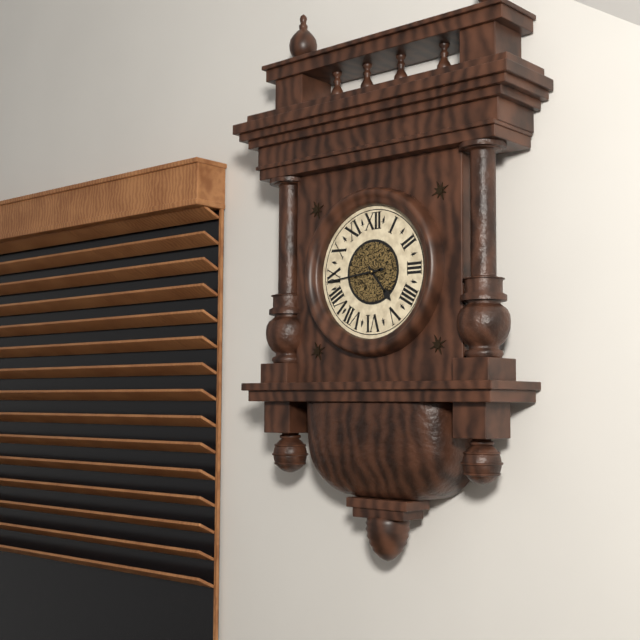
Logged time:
4h44
